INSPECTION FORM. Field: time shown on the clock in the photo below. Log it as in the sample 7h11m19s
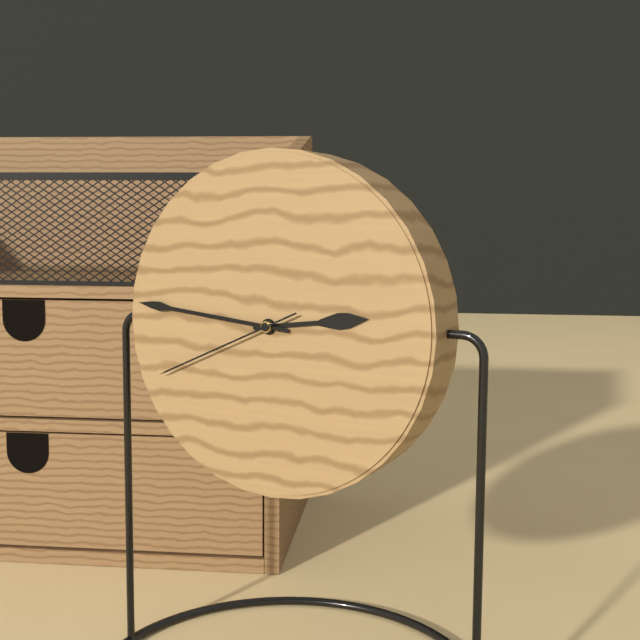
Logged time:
2h46m41s
